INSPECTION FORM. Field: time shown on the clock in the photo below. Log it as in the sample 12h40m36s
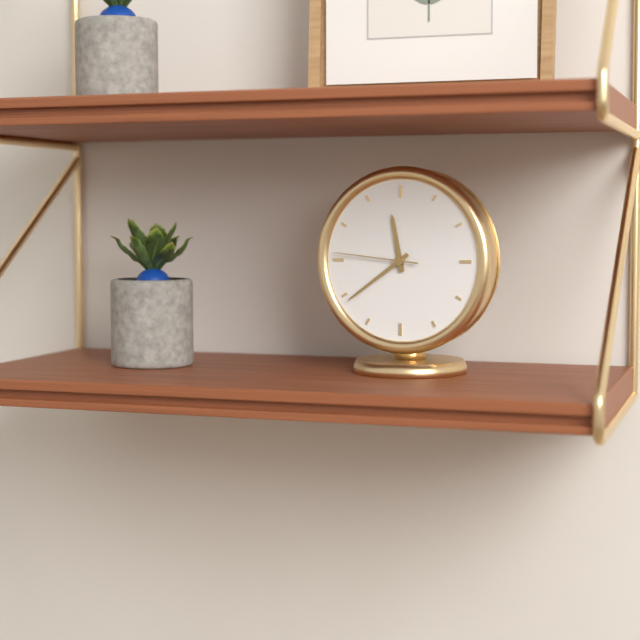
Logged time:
11h39m46s
